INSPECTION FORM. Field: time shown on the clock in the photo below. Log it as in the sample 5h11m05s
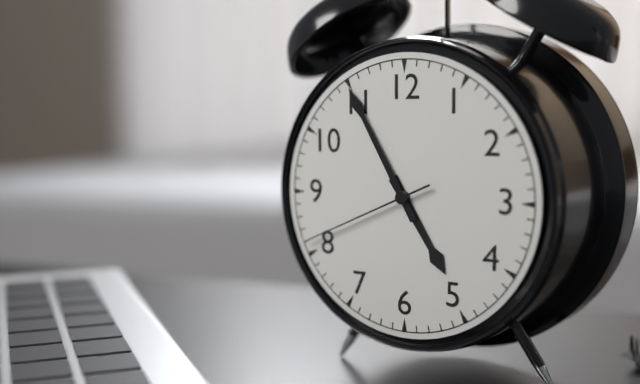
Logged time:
4h55m41s
